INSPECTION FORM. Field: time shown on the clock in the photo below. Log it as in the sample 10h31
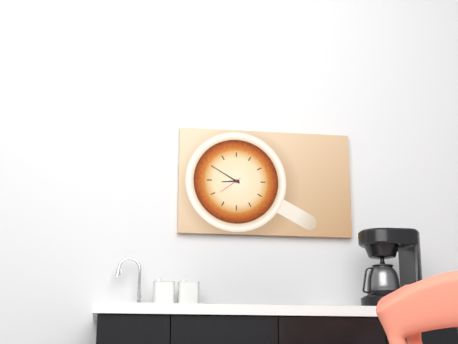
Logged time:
8h50
